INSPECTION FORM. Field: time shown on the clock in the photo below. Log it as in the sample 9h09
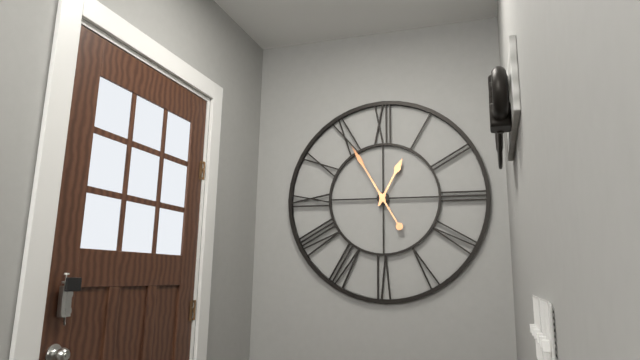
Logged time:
12h55
